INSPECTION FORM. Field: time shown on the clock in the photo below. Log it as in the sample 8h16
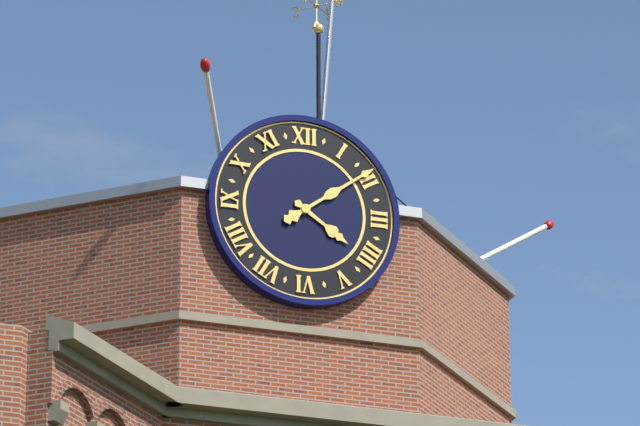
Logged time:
4h09
